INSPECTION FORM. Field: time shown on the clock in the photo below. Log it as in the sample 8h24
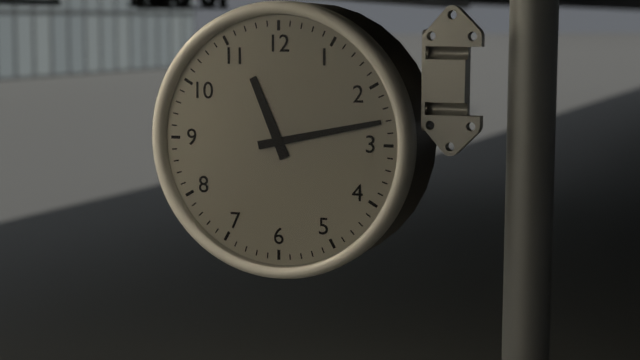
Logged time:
11h13
